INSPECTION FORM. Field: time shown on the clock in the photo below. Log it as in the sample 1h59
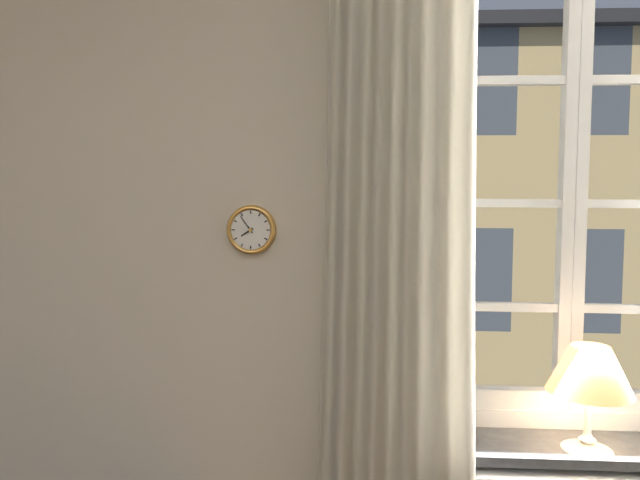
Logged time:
7h54
